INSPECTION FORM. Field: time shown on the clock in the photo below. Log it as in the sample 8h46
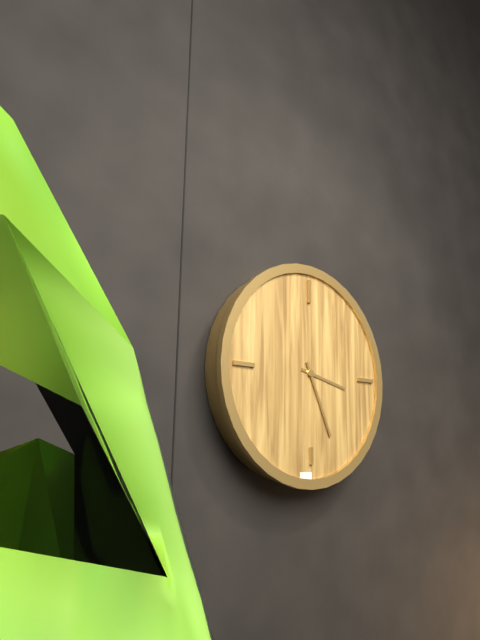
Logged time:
3h26
